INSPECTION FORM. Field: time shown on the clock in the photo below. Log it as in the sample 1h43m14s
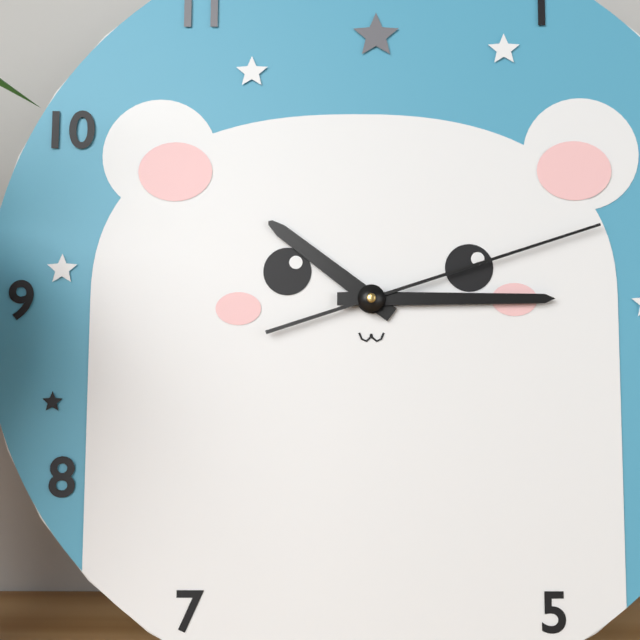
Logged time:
10h15m12s
